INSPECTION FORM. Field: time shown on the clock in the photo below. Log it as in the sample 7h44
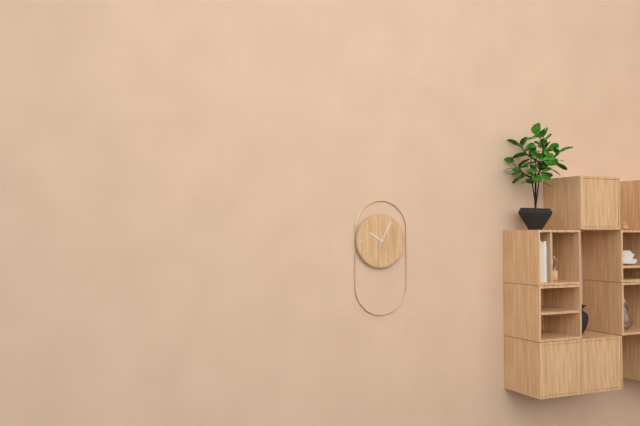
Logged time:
10h05
